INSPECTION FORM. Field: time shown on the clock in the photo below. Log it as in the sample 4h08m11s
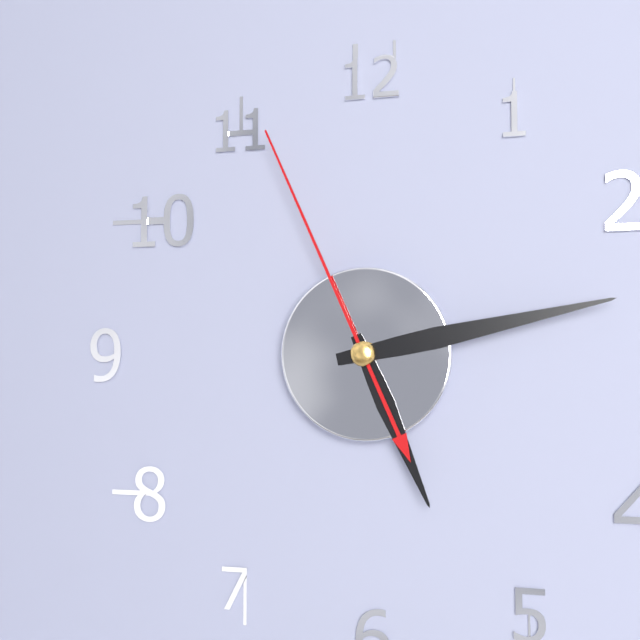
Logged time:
5h13m56s
